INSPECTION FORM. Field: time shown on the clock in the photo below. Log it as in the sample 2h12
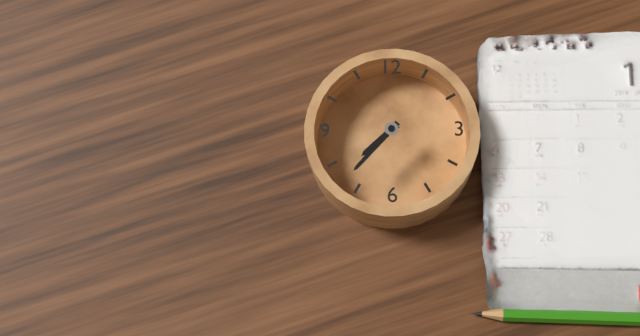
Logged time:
7h37
